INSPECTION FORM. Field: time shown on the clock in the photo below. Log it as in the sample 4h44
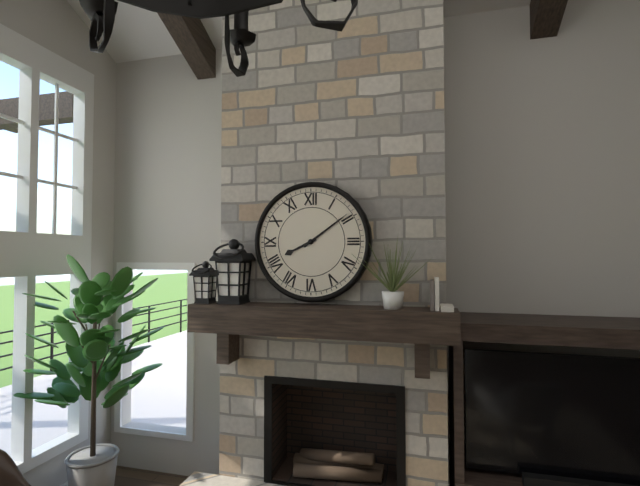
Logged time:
8h09
